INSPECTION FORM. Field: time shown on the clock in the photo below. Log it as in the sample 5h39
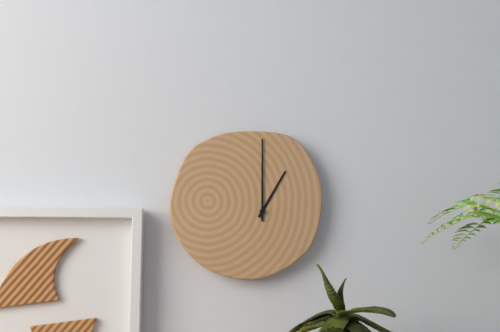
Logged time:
1h00
